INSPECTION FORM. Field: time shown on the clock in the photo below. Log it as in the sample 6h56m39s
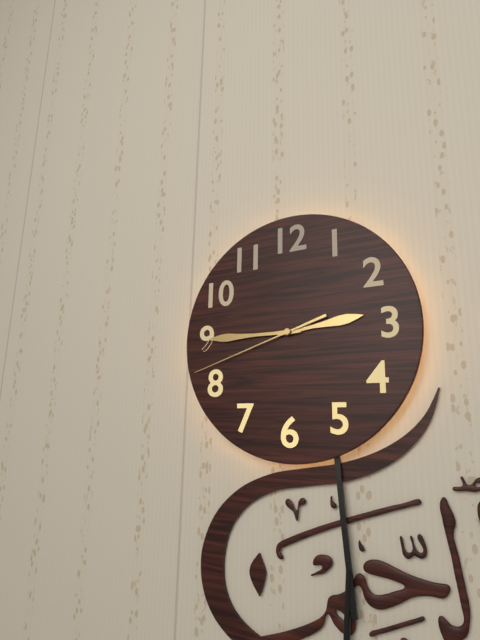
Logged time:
2h45m42s
